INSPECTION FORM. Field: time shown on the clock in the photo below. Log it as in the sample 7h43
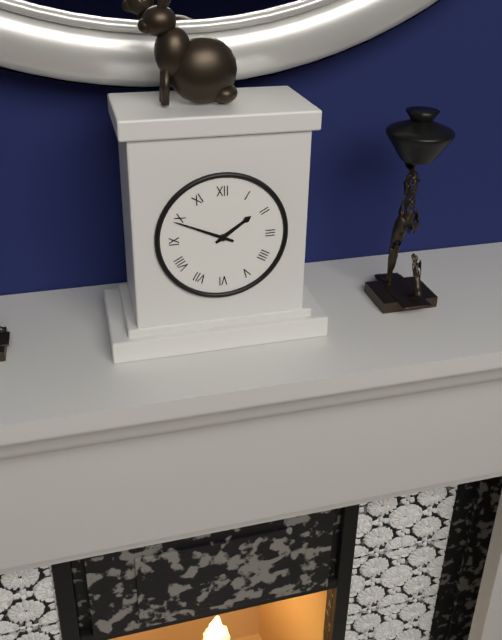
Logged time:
1h49
